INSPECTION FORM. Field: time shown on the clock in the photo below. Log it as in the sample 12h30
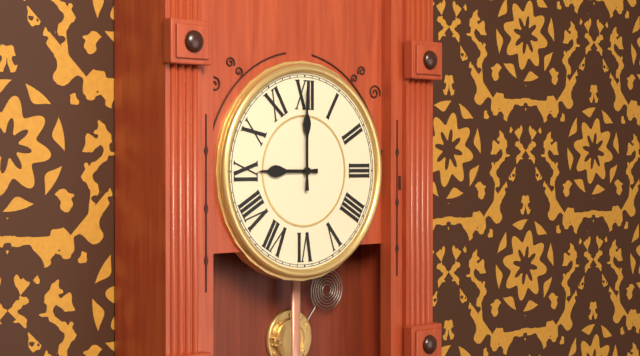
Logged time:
9h00
